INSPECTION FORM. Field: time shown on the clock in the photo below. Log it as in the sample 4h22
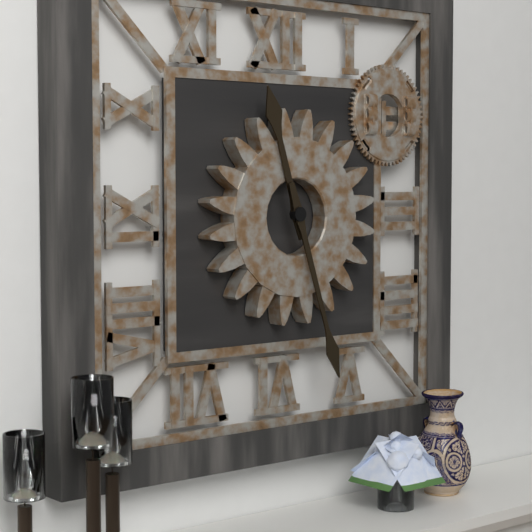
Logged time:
11h27
